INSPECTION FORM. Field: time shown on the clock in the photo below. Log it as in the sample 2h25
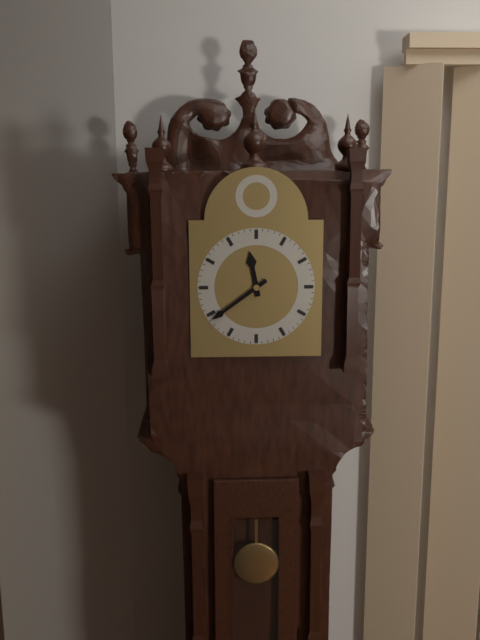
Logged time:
11h39
